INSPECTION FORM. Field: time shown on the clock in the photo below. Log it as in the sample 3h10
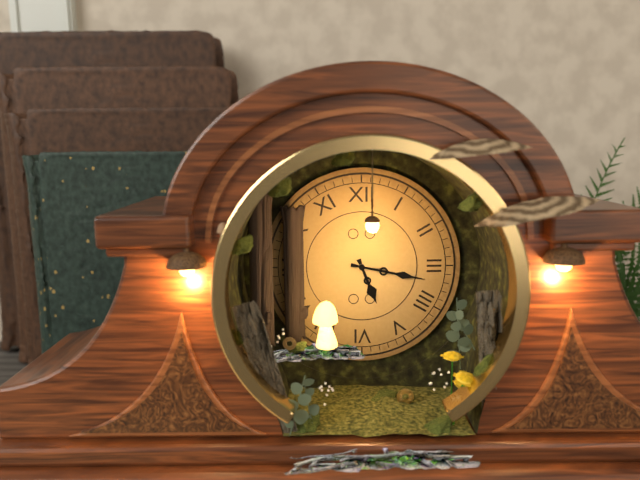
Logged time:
5h17
